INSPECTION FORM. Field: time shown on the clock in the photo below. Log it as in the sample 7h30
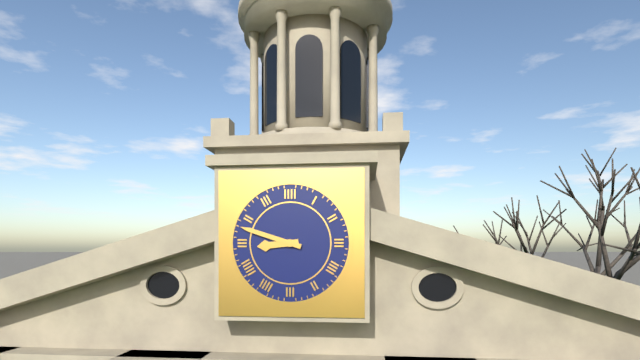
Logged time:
8h48
